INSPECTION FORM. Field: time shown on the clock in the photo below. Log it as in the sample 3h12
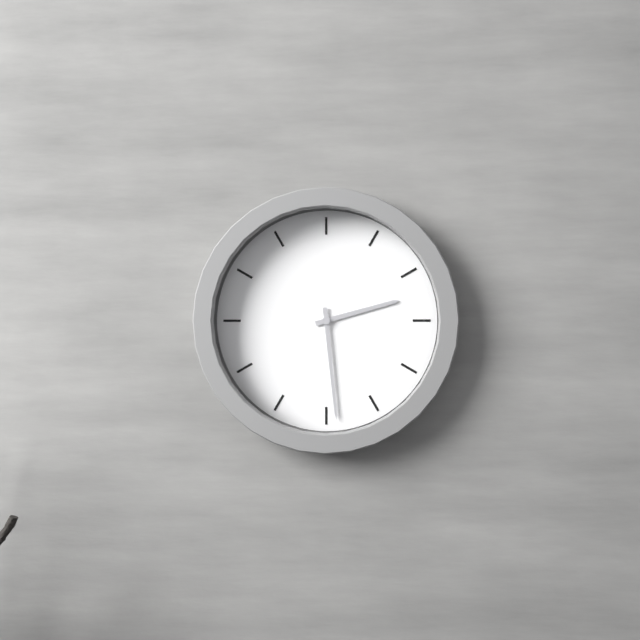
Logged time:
2h29
